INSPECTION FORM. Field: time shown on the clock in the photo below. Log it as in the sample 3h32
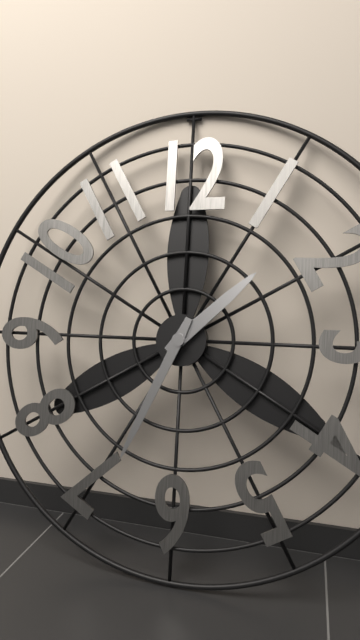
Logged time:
1h34
